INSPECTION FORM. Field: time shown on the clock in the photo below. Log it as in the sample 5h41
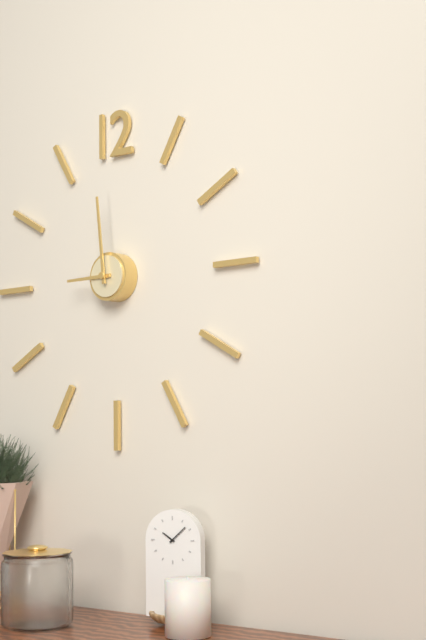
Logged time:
8h59
